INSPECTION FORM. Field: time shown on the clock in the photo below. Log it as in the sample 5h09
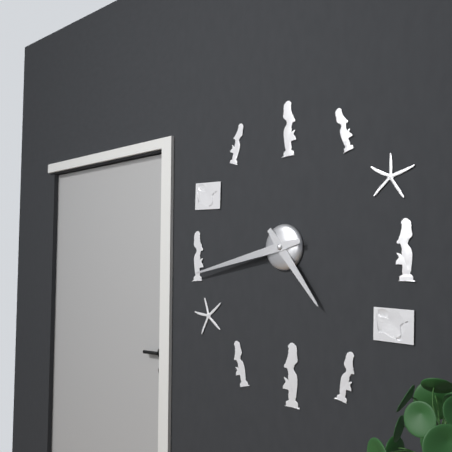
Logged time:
4h43
